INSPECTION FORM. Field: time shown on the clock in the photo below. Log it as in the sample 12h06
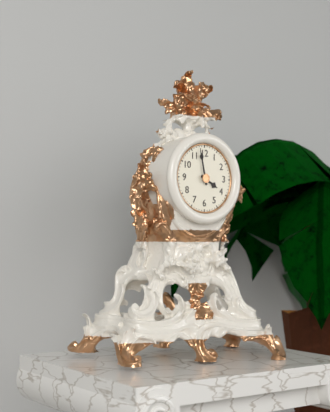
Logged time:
3h58
